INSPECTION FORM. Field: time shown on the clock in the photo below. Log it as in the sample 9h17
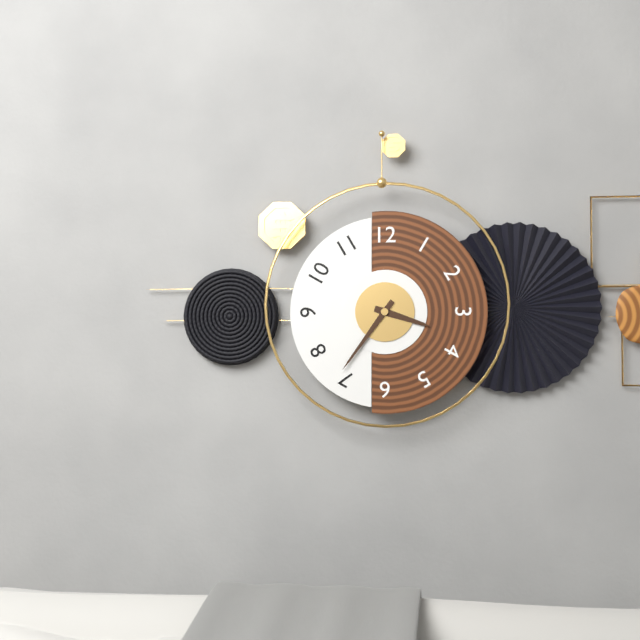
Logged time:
3h36
